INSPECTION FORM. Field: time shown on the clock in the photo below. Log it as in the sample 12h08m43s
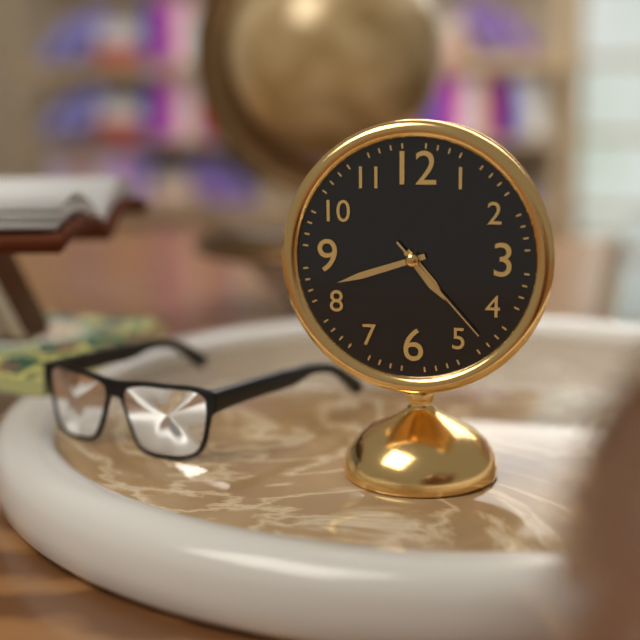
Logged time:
4h42m23s
